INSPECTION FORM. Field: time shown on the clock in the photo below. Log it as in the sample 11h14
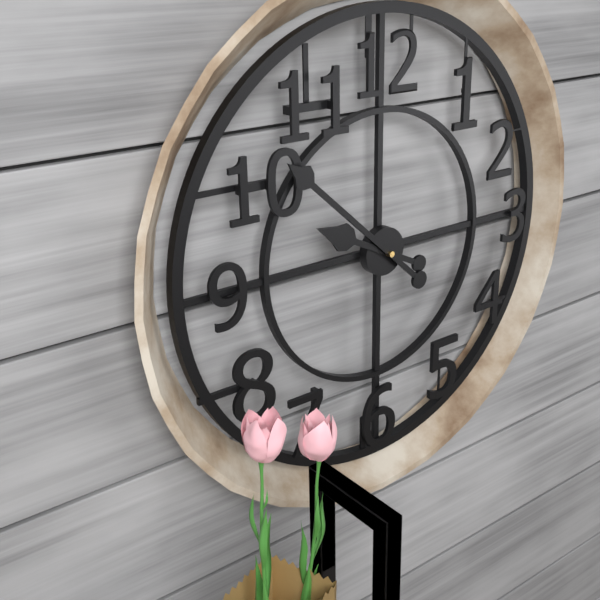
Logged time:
9h52
